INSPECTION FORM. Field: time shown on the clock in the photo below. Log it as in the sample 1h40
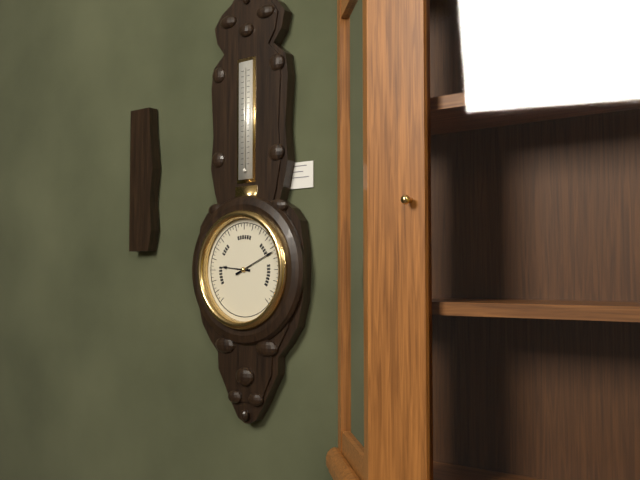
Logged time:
9h11
